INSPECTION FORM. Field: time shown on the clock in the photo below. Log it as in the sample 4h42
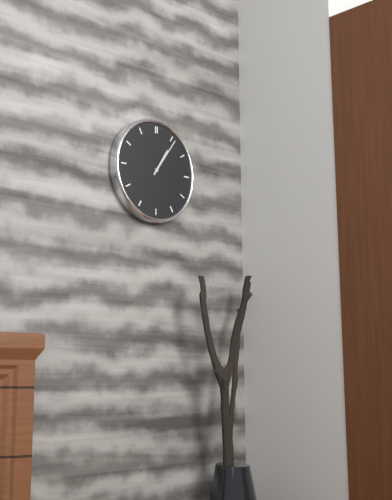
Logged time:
1h06
